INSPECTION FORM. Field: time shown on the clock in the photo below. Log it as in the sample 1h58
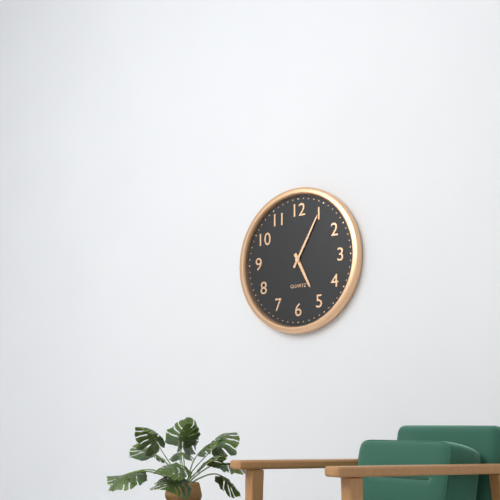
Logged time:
5h05
